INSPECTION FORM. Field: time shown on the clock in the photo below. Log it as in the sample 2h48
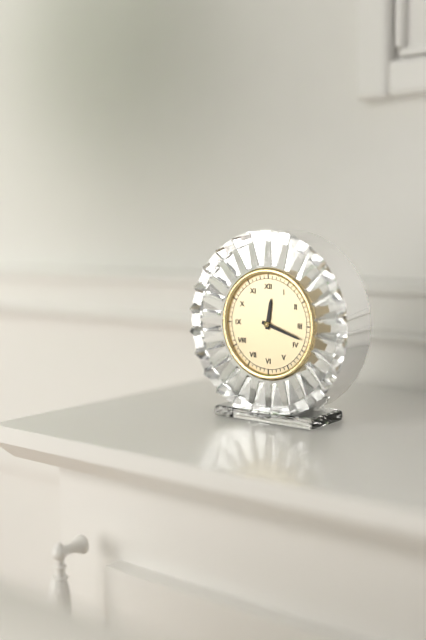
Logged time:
12h18
